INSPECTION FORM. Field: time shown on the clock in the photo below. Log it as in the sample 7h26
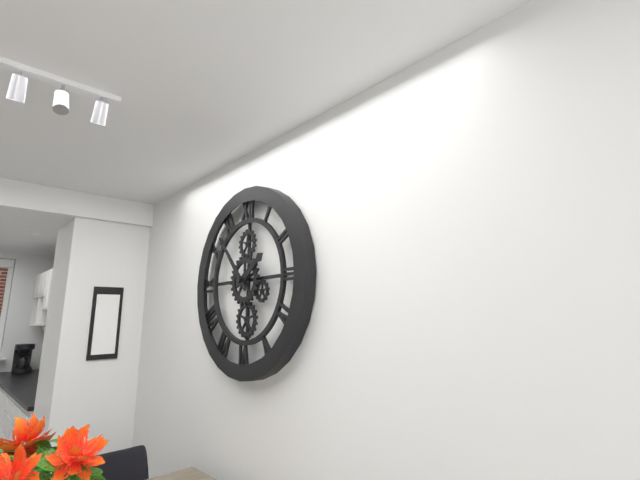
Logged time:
1h53
